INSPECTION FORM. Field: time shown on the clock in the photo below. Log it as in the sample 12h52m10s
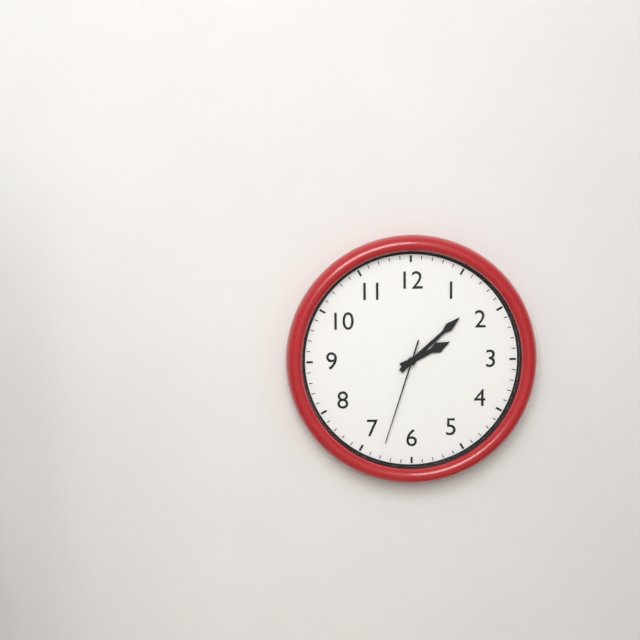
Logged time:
2h08m33s
